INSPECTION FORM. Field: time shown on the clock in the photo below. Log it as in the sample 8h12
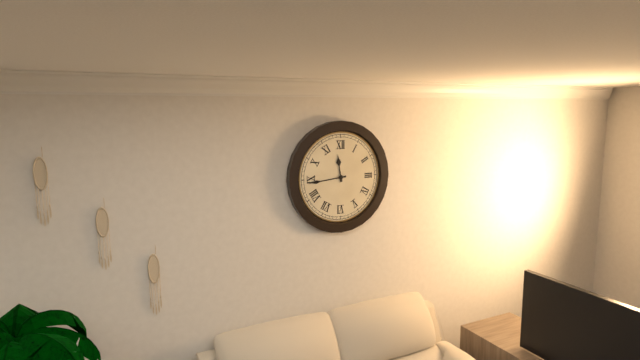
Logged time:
11h44
